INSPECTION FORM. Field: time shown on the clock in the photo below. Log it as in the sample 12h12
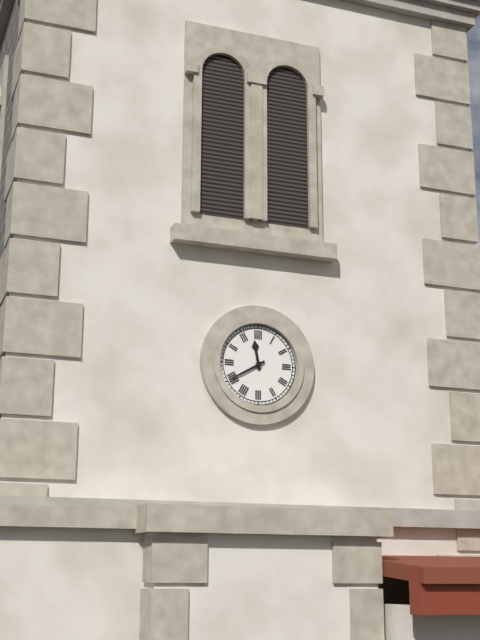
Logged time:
11h40
